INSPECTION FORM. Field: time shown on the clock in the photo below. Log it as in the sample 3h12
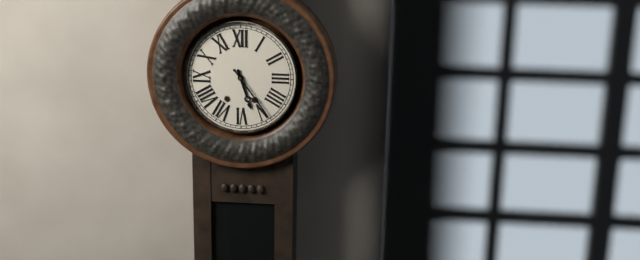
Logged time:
5h24
